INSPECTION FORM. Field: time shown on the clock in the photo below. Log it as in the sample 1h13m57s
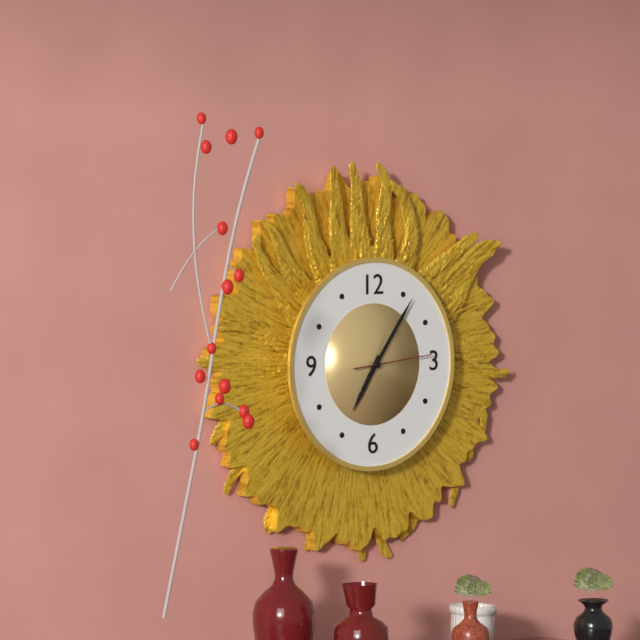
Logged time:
7h06m14s
